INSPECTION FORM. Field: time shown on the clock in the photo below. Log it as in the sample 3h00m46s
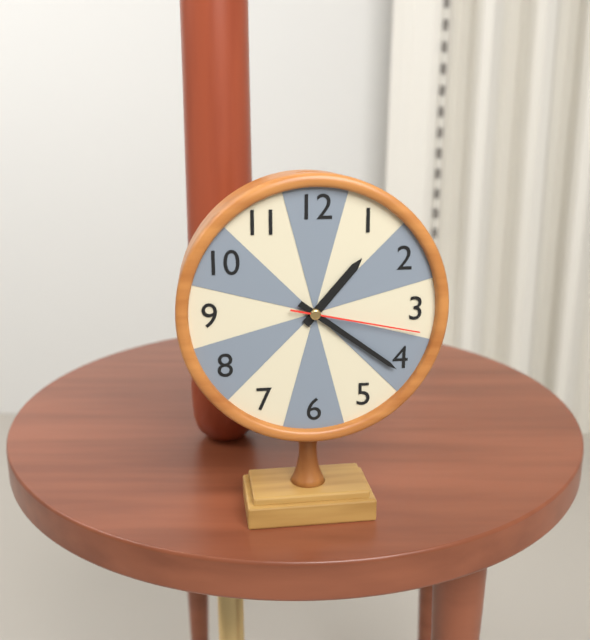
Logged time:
1h21m17s
